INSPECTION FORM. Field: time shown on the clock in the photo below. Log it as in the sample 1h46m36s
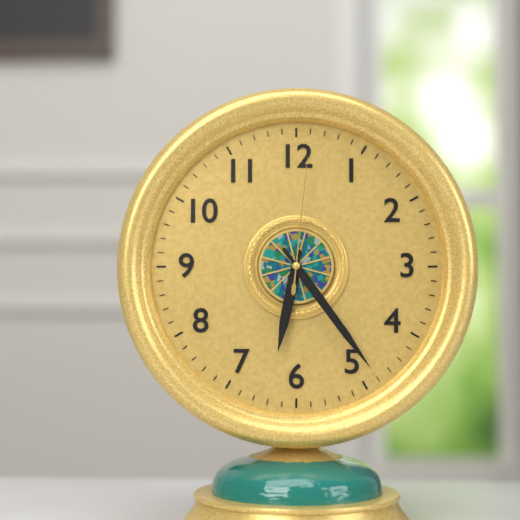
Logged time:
6h24m01s
